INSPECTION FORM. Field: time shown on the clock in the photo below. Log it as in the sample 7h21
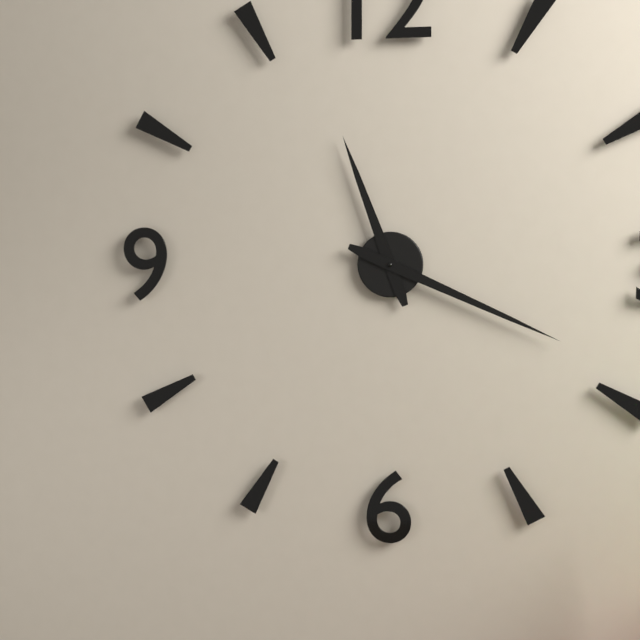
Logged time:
11h19
